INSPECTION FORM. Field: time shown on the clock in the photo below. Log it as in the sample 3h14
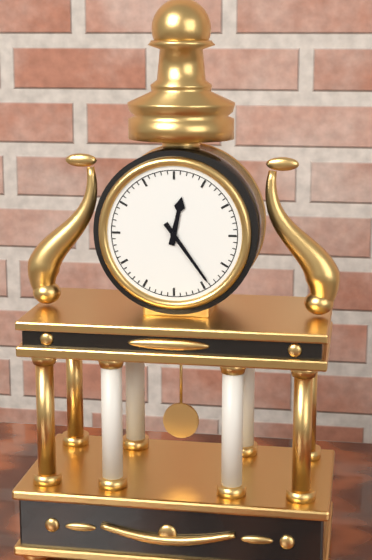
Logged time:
12h24
